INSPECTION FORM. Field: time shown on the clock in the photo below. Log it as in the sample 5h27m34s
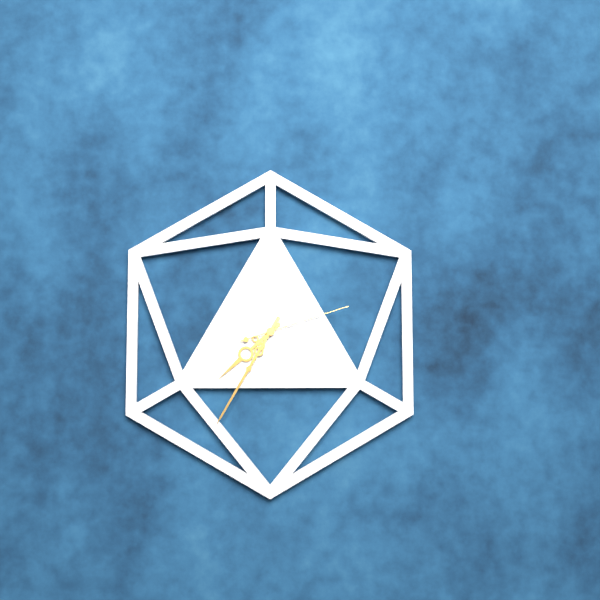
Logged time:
7h35m12s
